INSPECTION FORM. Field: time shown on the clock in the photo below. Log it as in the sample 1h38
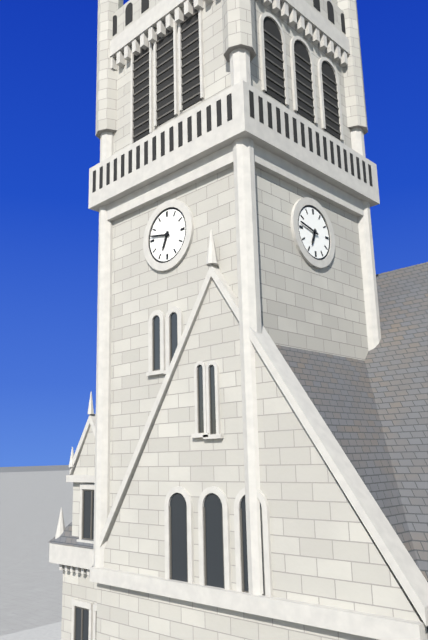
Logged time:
6h47
